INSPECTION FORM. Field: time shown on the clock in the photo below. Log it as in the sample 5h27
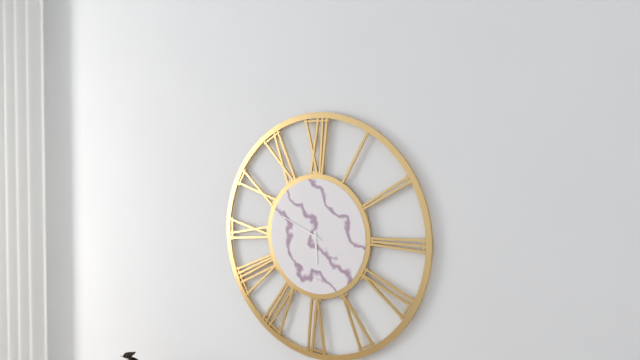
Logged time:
5h49
